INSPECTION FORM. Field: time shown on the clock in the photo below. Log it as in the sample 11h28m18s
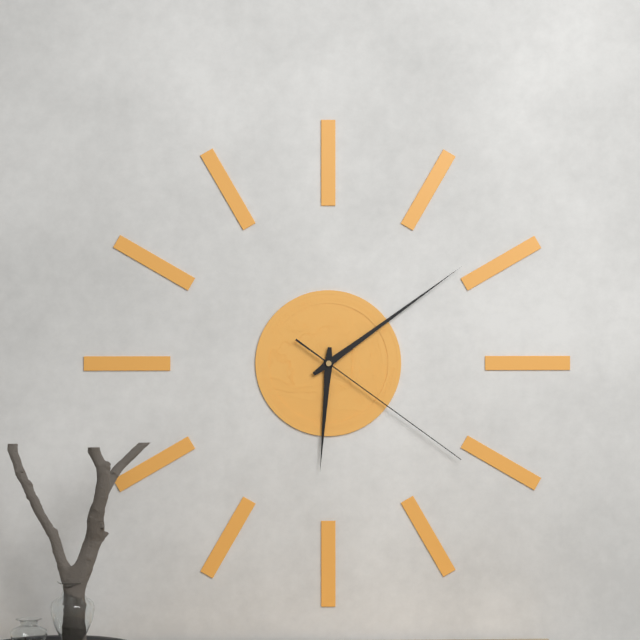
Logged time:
6h09m21s
